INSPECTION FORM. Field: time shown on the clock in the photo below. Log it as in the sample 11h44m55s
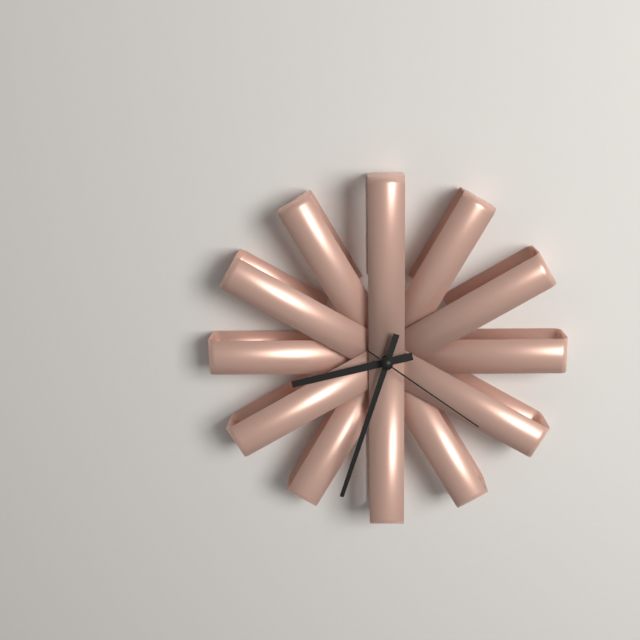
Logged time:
8h33m21s
